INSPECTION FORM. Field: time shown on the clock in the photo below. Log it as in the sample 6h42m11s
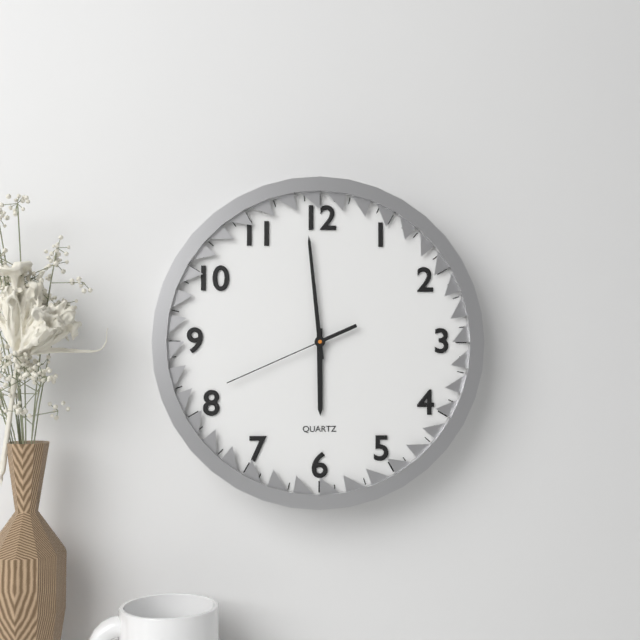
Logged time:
5h59m41s
